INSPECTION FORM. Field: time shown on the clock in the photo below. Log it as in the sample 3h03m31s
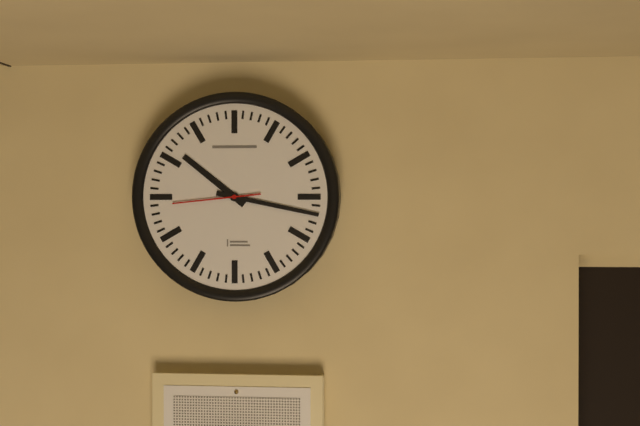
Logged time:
10h17m44s
